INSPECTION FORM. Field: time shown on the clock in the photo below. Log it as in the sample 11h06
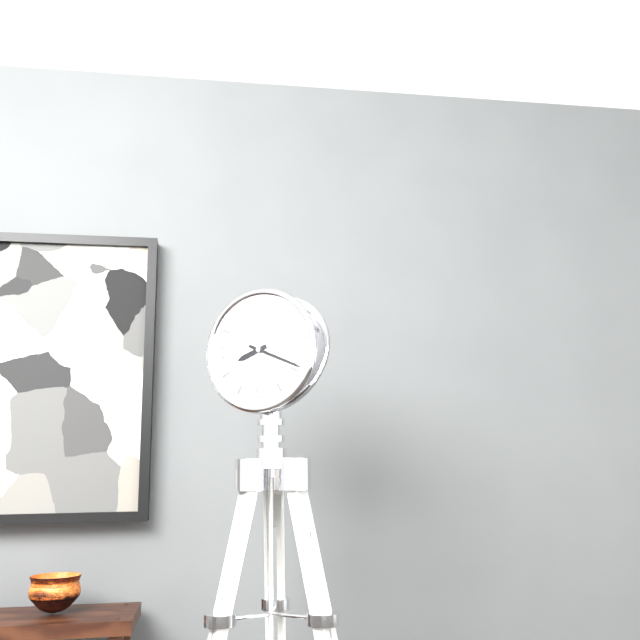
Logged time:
8h19
